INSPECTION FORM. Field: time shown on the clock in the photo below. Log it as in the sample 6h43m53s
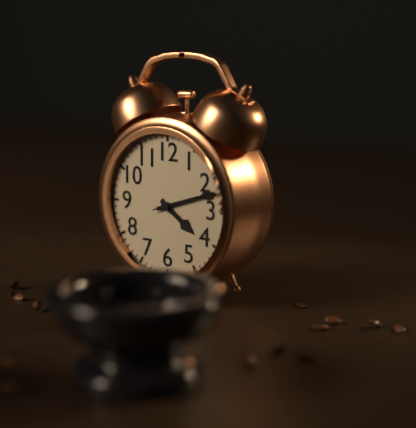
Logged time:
4h12m12s
